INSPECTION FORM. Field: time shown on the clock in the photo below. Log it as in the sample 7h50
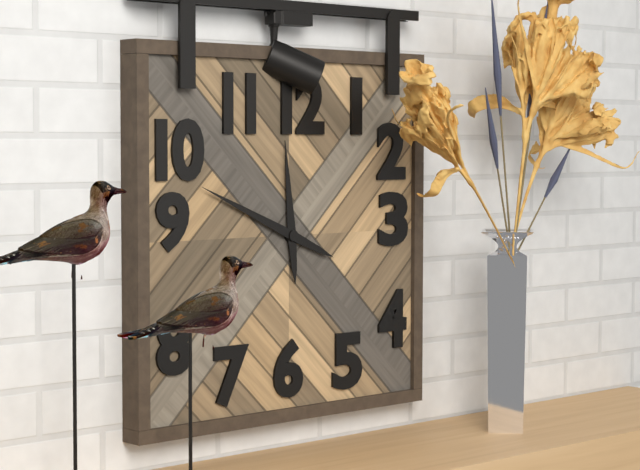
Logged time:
11h49
